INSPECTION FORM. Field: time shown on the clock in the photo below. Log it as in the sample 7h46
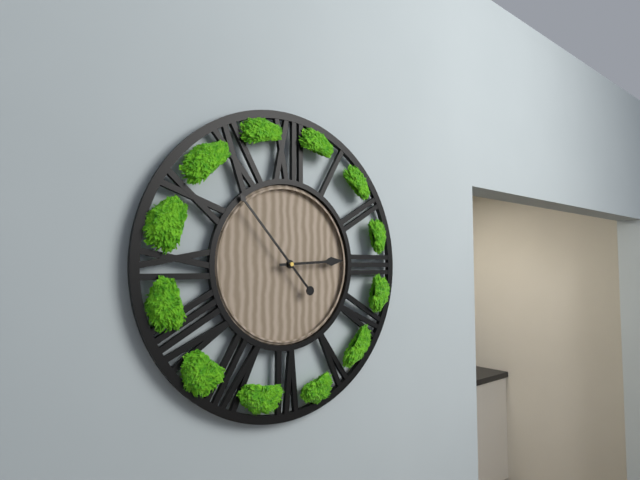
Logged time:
2h53
